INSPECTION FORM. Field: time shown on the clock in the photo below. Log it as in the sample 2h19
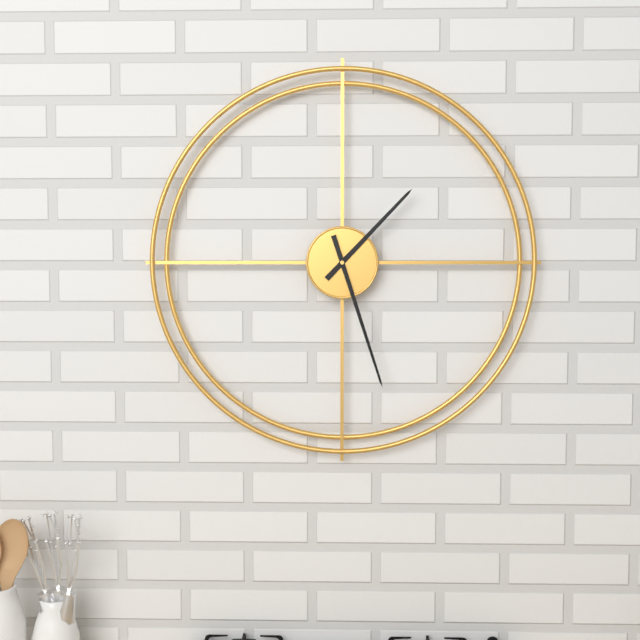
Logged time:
1h27
